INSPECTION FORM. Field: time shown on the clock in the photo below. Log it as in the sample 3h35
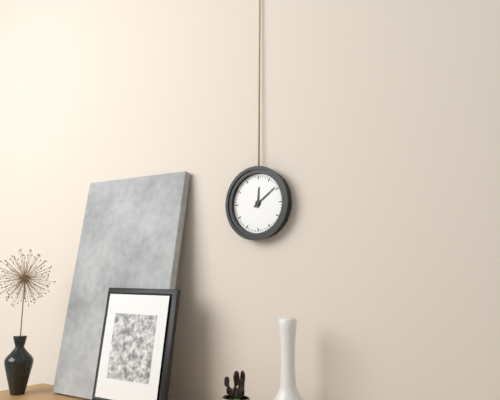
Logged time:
12h09
